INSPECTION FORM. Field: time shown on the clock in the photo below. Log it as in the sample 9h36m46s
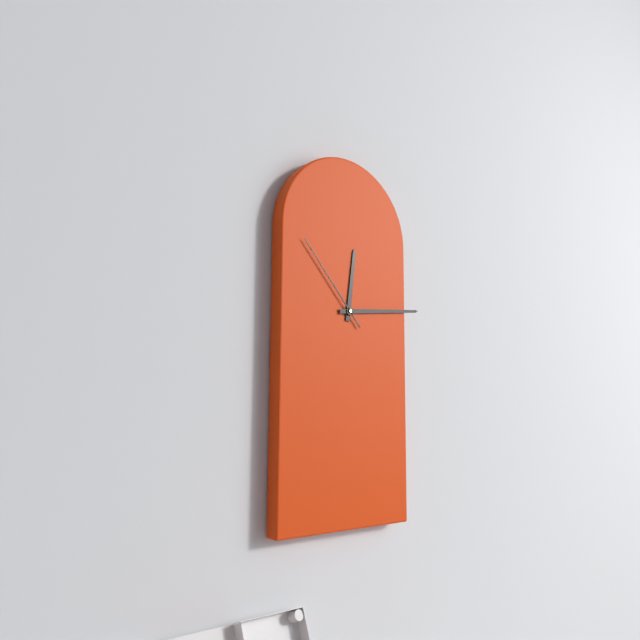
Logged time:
12h14m53s
